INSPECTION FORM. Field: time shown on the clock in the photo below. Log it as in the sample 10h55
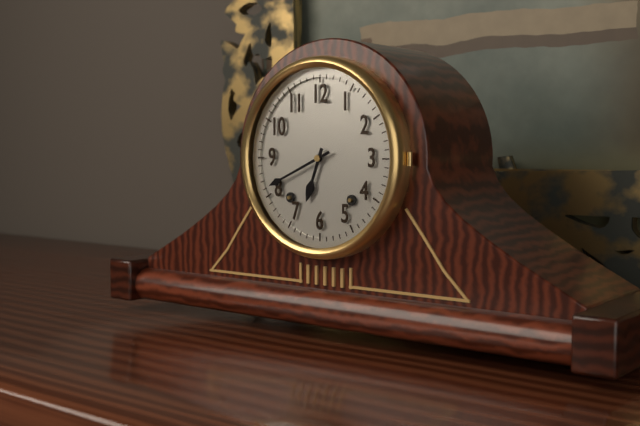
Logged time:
6h41
